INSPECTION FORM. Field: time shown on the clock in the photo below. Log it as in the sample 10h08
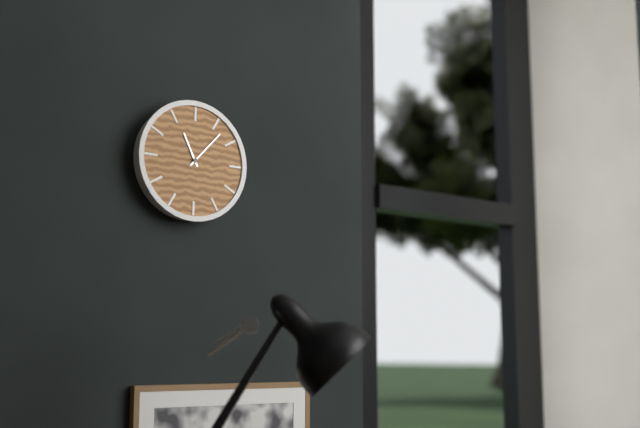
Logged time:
11h07
